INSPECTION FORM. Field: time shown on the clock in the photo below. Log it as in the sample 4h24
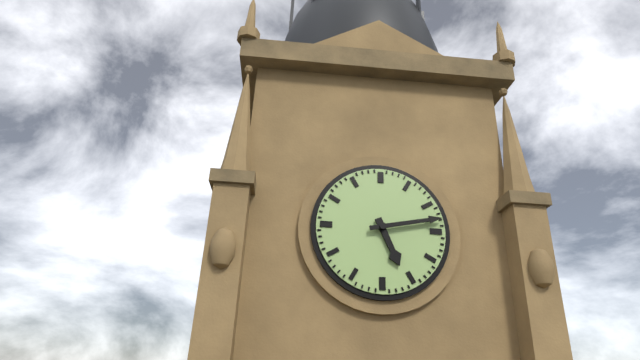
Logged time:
5h13
